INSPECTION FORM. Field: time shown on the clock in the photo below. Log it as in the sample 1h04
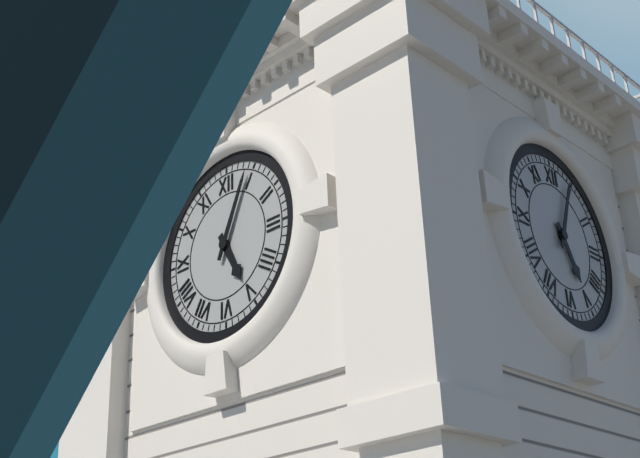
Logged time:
5h04
